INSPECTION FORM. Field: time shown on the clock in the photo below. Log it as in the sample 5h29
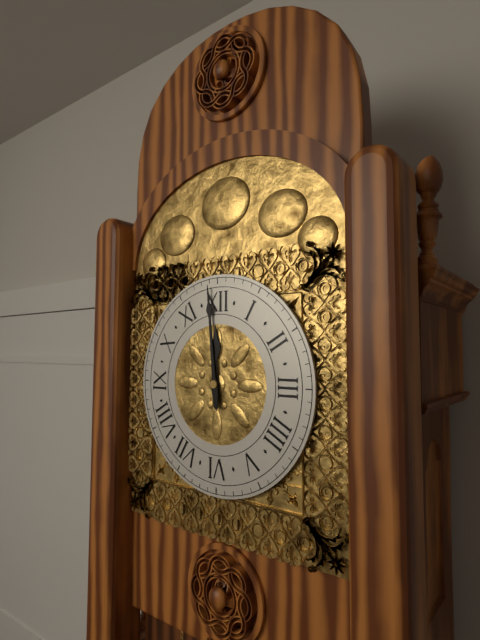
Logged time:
11h59
